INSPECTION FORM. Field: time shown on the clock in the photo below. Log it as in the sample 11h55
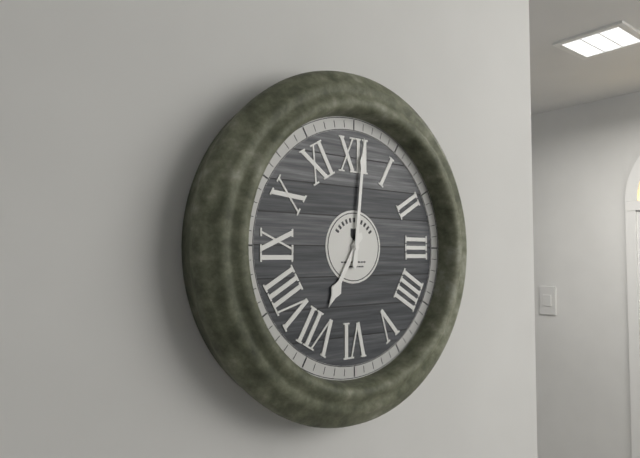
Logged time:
7h01
